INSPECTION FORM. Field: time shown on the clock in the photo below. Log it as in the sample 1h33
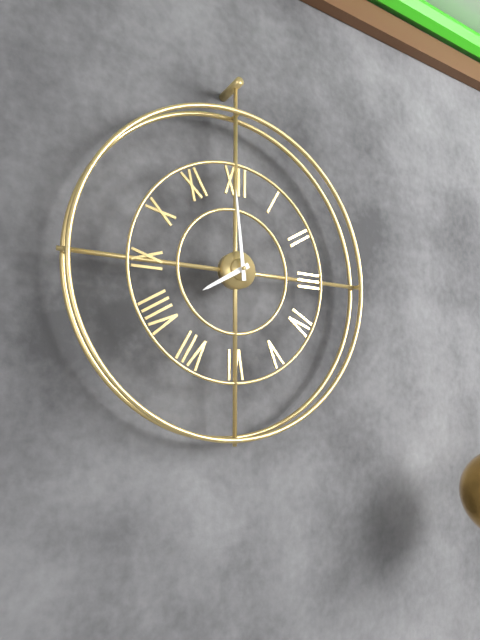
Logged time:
7h59
